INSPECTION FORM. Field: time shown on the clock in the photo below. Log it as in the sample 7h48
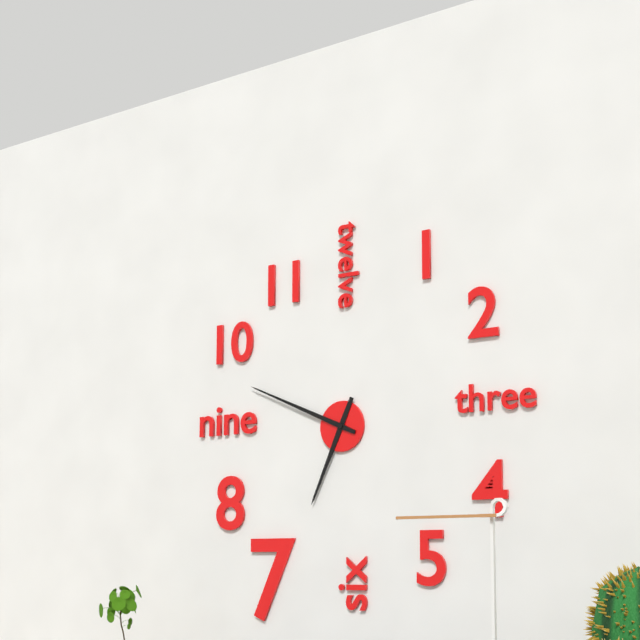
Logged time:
6h49
